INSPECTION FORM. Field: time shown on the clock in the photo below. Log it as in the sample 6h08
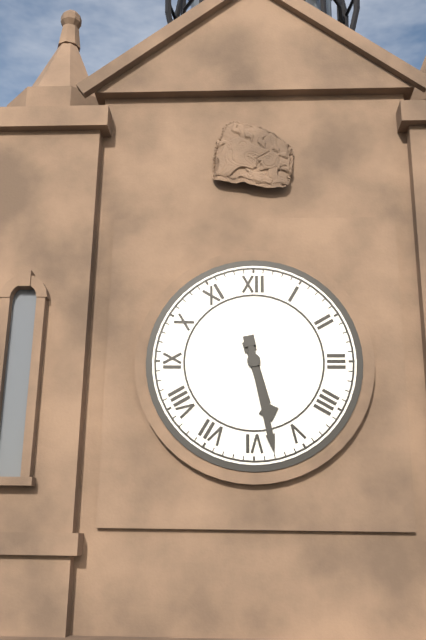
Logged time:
5h28
